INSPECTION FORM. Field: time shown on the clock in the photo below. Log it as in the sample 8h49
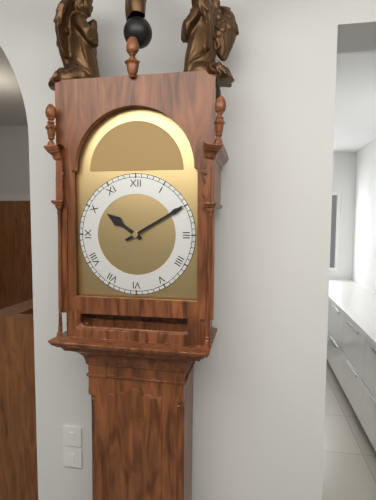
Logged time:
10h10
